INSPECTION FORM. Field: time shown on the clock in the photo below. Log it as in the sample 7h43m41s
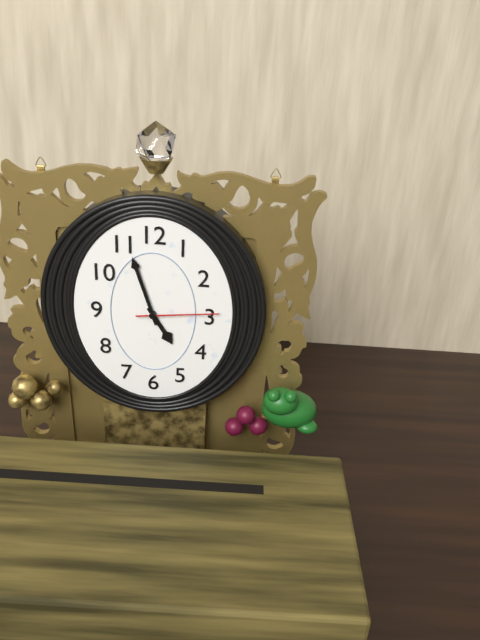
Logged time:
4h57m14s
